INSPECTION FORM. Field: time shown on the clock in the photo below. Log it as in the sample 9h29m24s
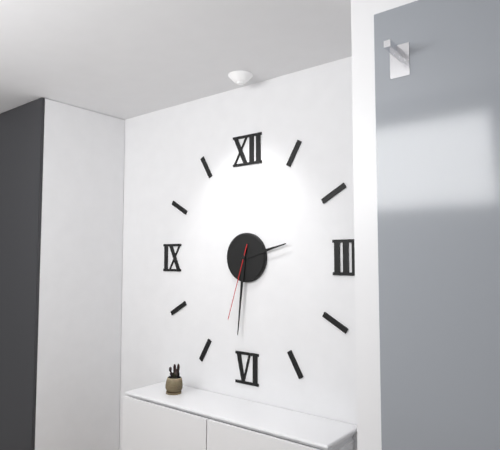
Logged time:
2h31m33s
